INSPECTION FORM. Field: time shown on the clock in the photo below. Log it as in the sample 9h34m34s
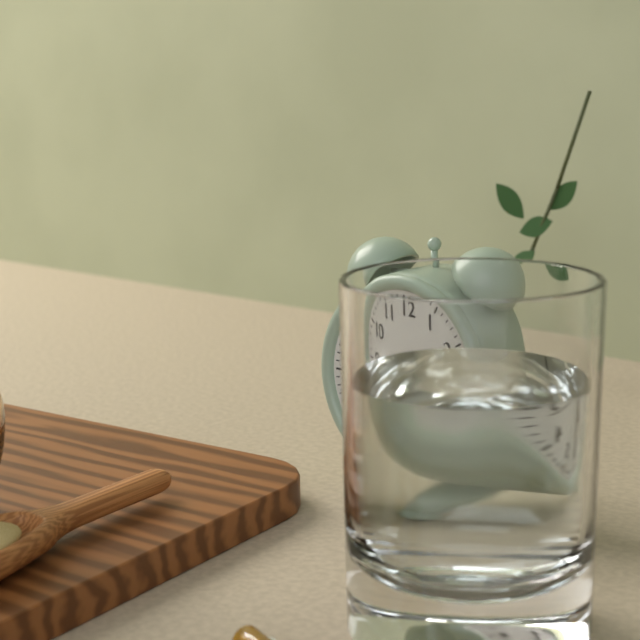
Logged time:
6h29m16s
